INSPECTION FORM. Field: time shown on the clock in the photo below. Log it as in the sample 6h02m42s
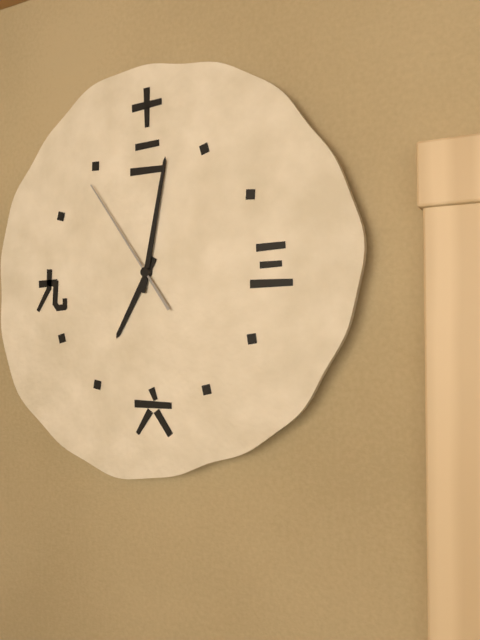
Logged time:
7h02m54s
